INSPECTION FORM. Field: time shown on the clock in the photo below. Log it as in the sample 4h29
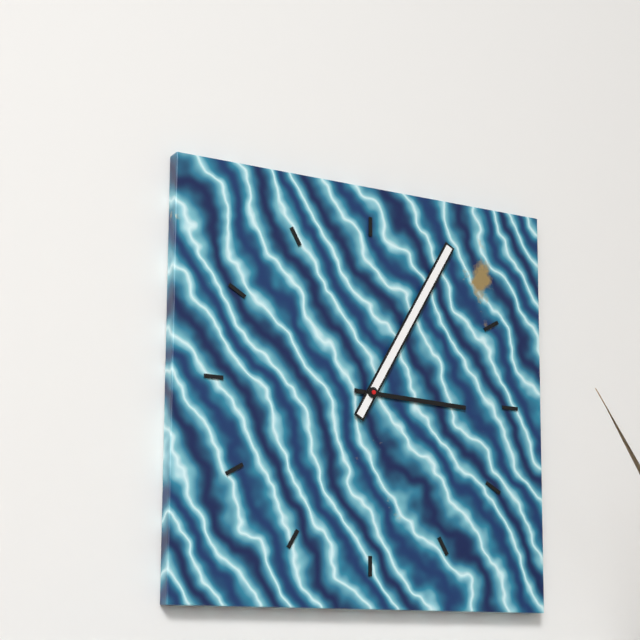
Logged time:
3h05
